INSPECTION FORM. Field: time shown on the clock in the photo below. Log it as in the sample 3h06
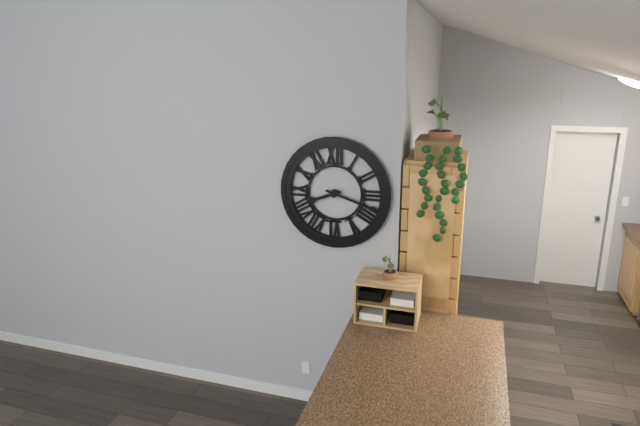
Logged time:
8h18
